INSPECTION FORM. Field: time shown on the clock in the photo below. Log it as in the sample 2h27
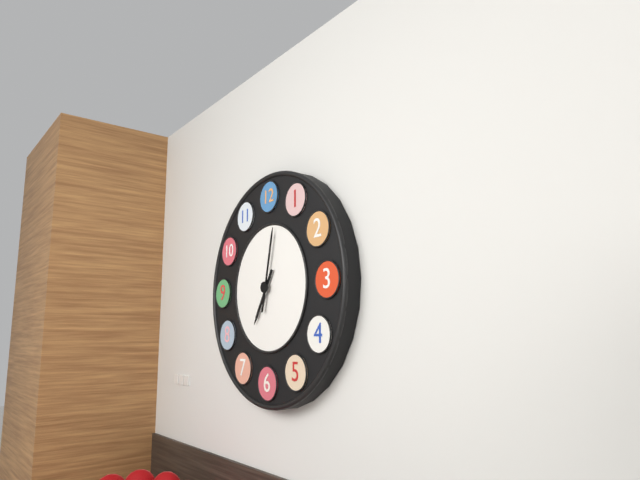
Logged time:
7h02
